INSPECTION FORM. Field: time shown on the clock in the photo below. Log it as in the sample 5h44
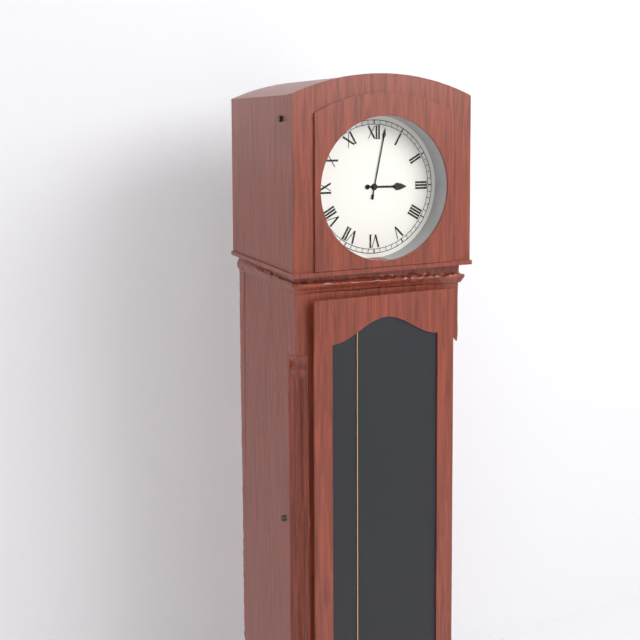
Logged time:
3h02
